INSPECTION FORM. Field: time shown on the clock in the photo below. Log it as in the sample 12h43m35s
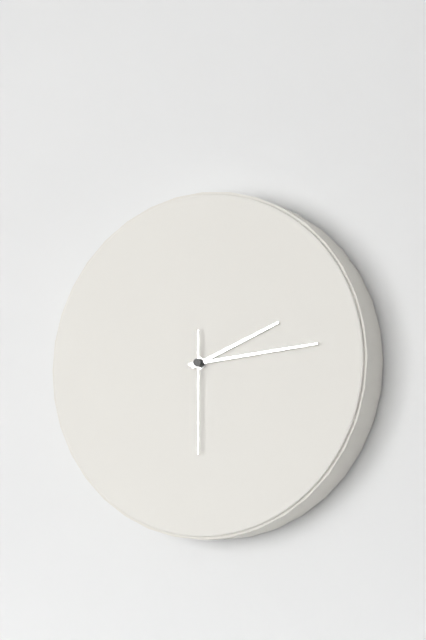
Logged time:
2h14m30s
